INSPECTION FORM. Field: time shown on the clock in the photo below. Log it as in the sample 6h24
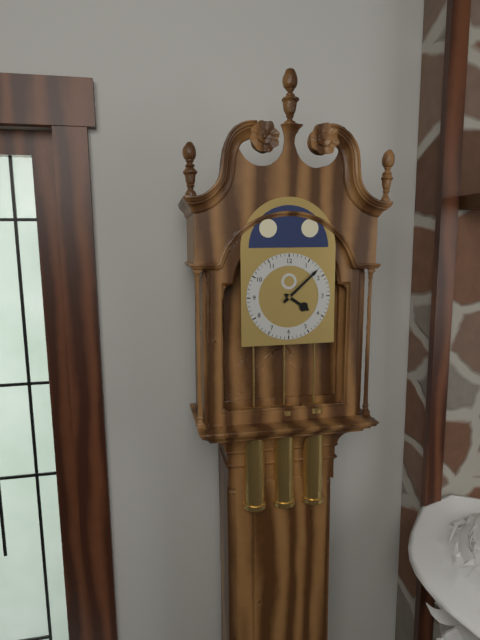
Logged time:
4h08
